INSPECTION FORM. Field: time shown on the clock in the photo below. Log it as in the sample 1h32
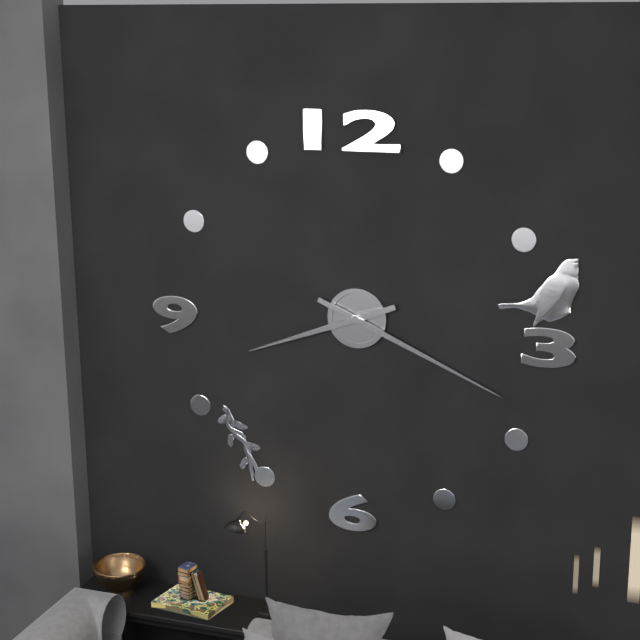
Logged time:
8h19
